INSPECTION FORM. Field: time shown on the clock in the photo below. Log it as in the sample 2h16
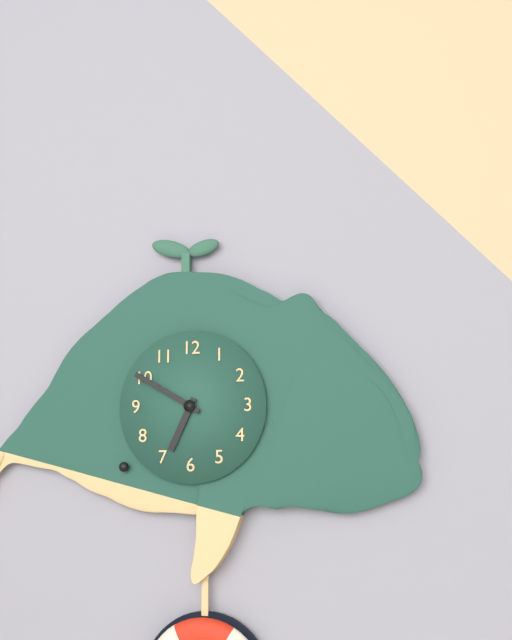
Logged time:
6h50
